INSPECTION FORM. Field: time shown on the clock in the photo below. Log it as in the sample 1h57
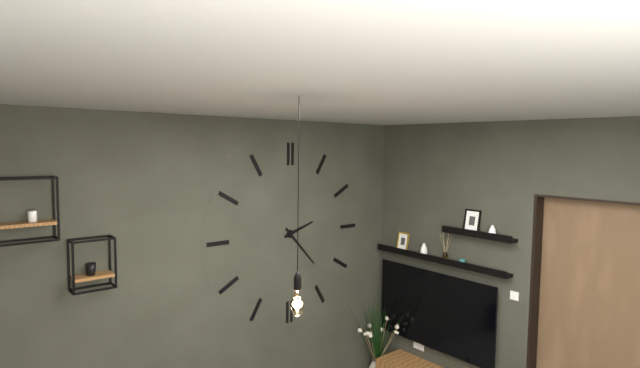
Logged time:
2h23
